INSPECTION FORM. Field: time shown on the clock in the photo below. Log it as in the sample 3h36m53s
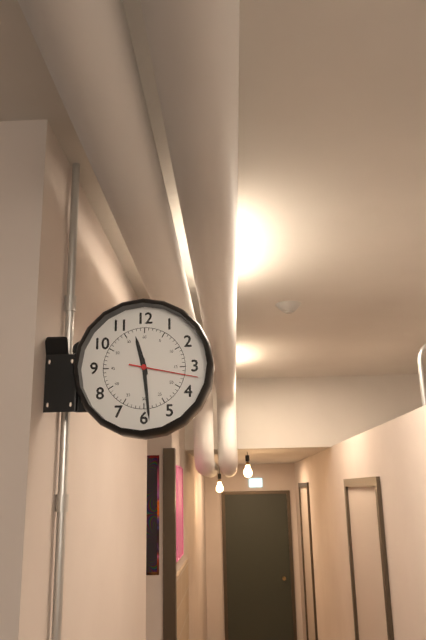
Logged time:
11h29m17s
